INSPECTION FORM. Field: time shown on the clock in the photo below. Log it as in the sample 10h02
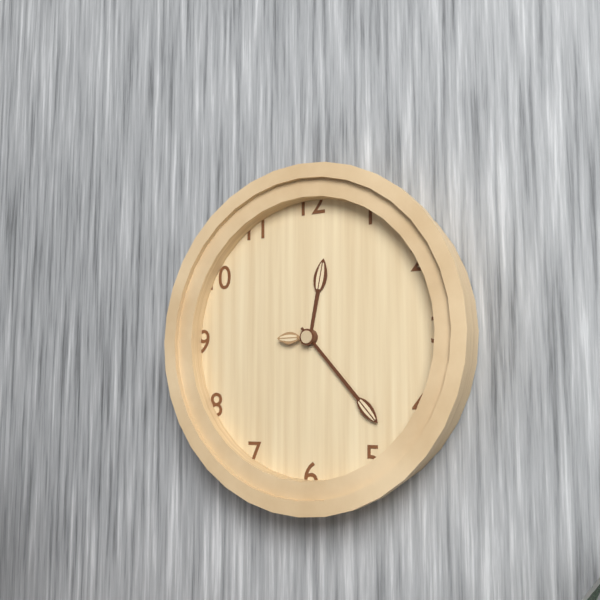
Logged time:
12h23
